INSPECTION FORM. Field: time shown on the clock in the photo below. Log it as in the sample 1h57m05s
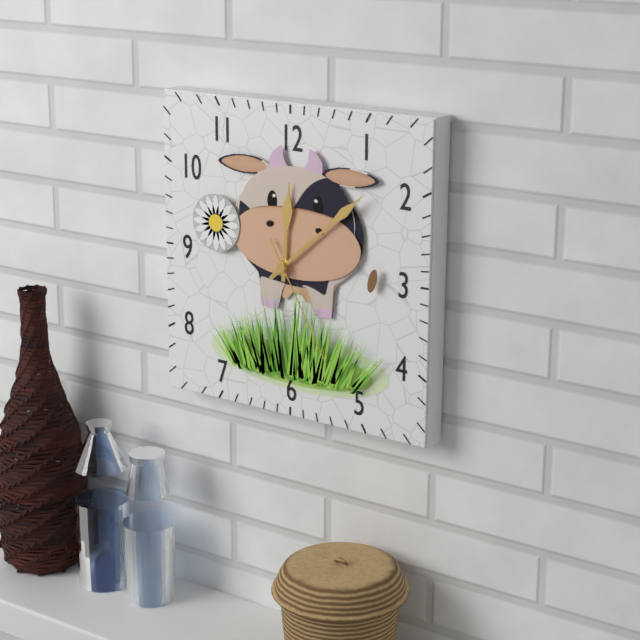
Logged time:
12h08m25s
